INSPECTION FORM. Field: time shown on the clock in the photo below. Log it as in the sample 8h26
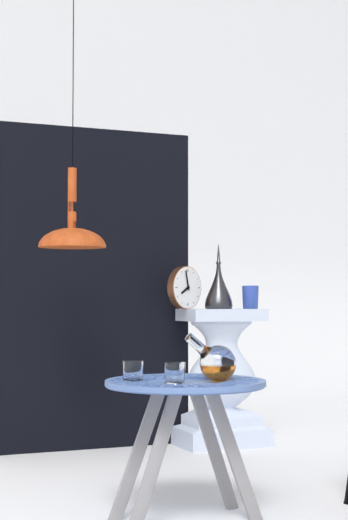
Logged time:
7h58
